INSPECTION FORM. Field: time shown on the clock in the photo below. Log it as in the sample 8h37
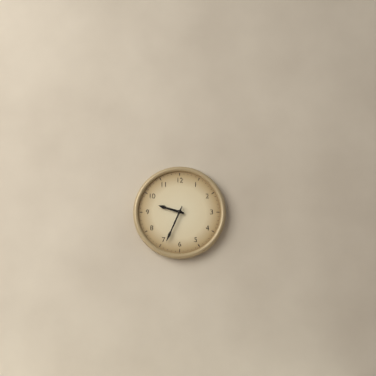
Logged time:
9h34
